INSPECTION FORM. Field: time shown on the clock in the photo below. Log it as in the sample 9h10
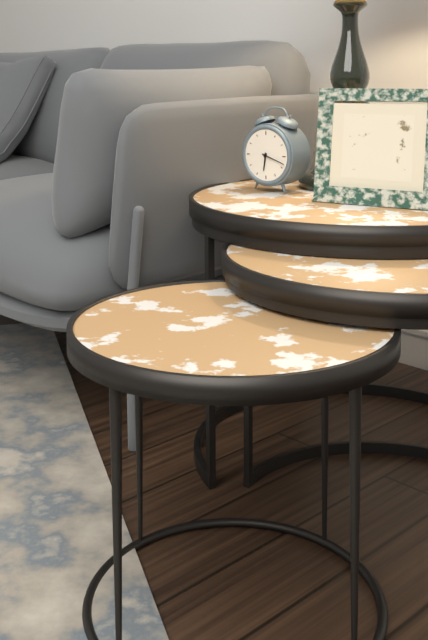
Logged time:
6h18
